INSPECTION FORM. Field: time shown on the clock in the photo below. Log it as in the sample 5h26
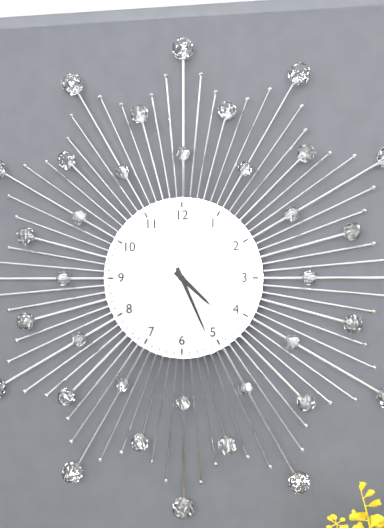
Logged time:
4h26
